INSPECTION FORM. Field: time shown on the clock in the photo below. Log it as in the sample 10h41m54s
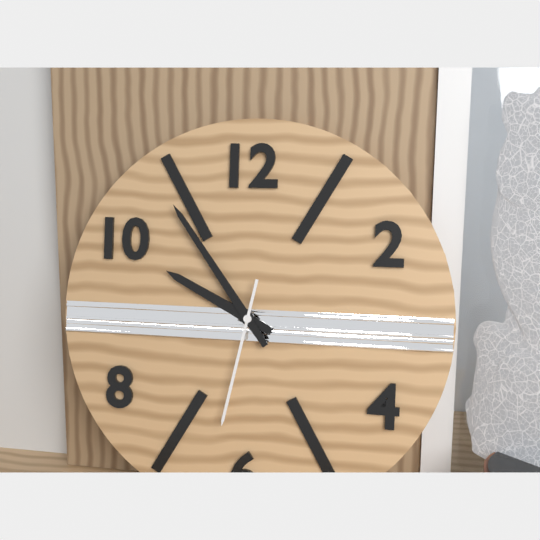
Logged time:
9h54m32s
